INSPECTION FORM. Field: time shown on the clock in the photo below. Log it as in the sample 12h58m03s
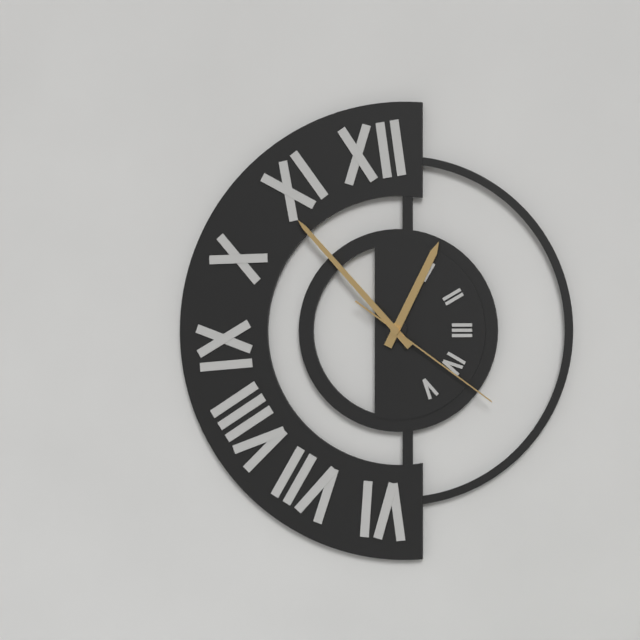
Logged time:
12h53m21s
